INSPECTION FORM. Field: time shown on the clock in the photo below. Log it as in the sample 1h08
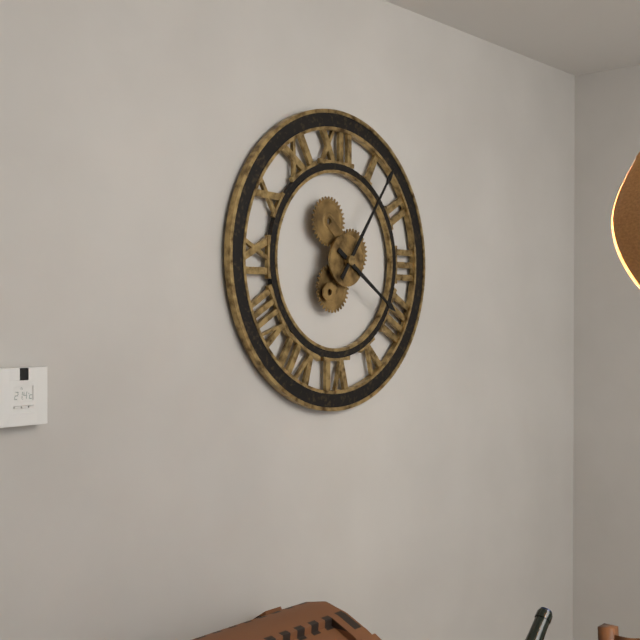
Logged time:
4h06
